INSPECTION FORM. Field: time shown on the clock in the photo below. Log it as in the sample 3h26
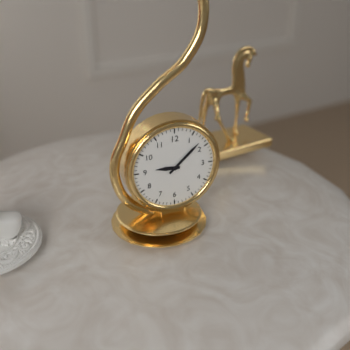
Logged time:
9h08
